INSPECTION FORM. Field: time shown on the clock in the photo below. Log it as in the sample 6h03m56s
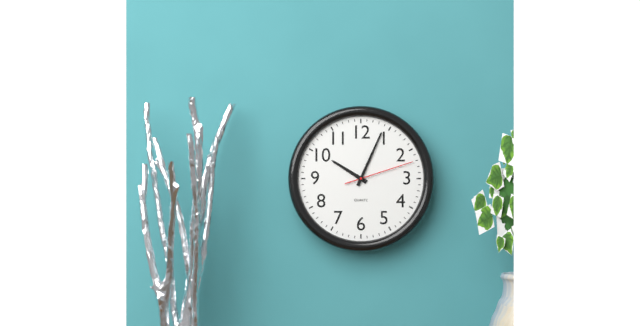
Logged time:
10h04m12s
